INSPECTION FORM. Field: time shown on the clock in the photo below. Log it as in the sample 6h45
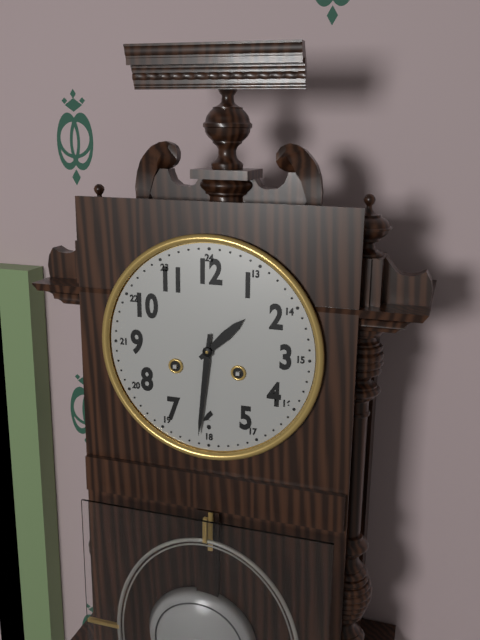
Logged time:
1h31
